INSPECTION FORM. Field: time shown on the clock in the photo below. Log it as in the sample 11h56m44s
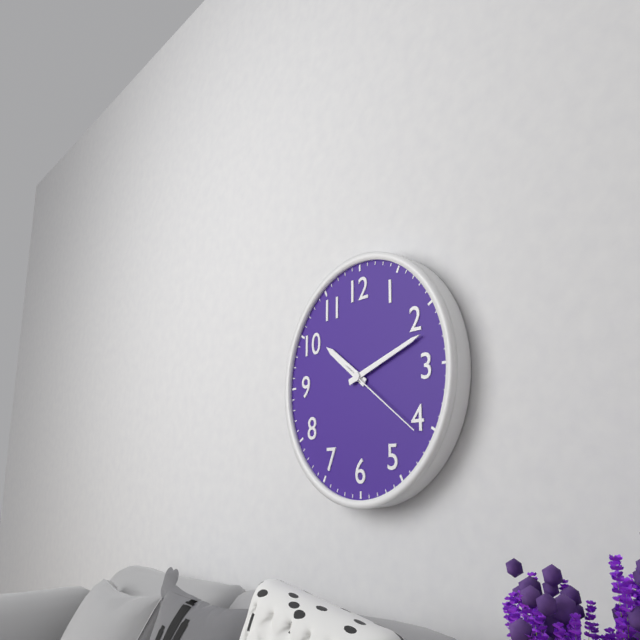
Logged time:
10h12m21s
